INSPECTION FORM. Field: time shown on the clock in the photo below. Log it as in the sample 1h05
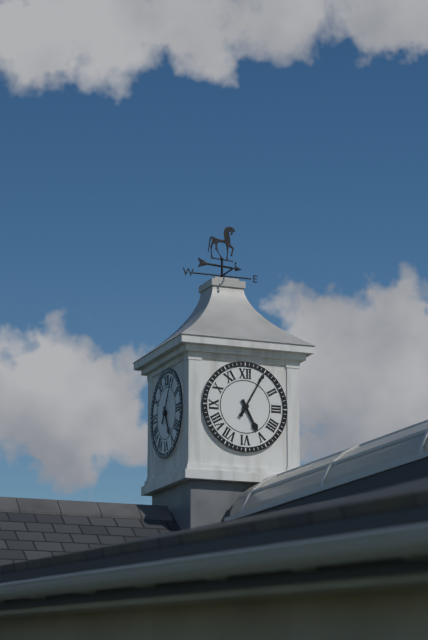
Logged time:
5h05
